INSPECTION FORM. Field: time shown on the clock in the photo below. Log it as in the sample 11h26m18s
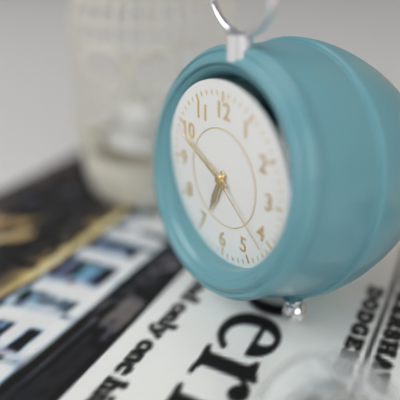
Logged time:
6h49m21s
